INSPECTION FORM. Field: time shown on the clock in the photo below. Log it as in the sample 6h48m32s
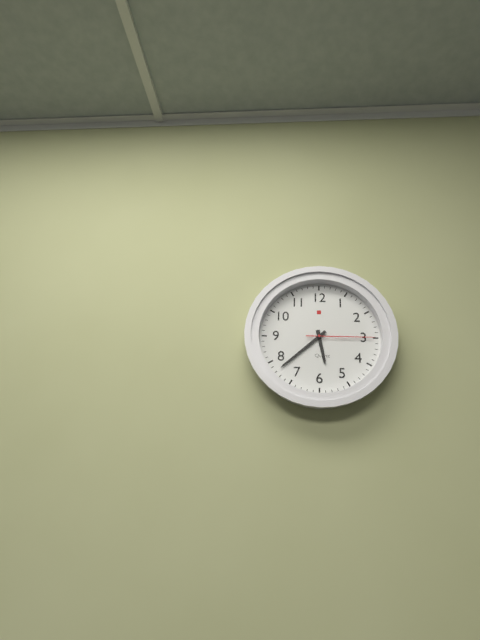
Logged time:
5h38m15s
